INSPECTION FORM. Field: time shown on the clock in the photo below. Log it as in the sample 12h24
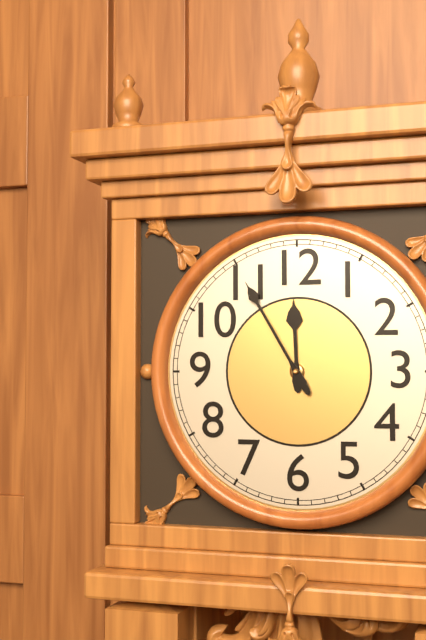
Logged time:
11h55
